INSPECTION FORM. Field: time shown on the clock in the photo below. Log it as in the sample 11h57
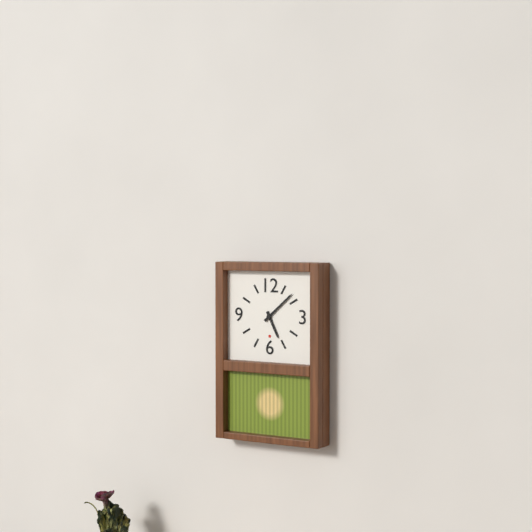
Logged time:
5h08
